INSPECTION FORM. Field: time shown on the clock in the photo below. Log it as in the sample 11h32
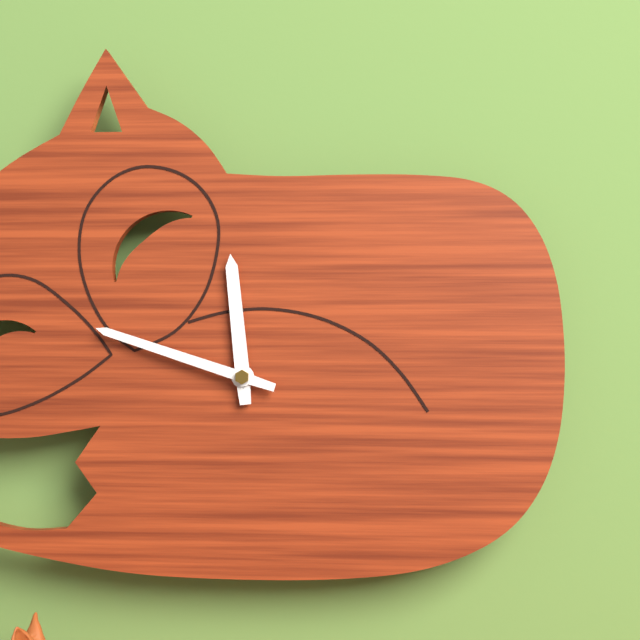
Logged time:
11h48
